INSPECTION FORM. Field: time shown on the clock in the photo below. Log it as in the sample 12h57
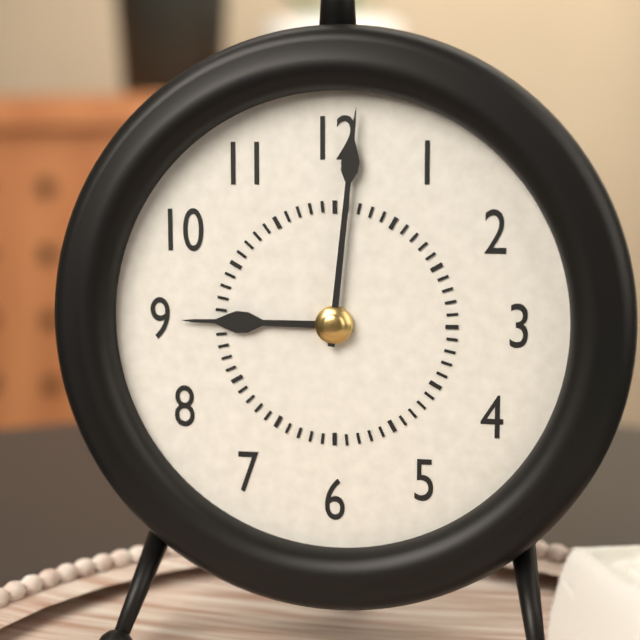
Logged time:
9h01
